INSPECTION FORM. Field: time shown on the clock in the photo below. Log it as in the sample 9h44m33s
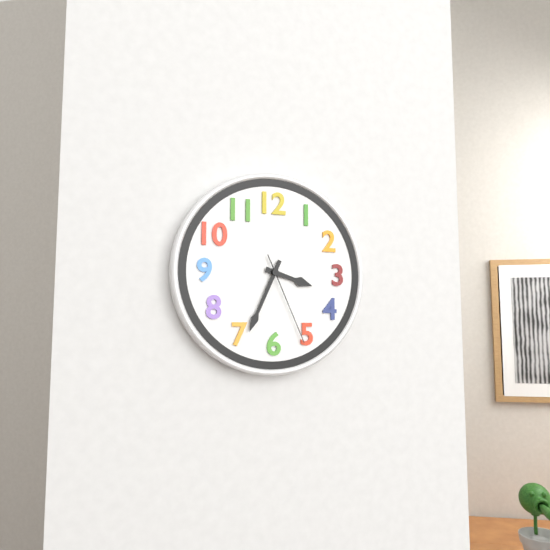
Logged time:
3h34m26s
